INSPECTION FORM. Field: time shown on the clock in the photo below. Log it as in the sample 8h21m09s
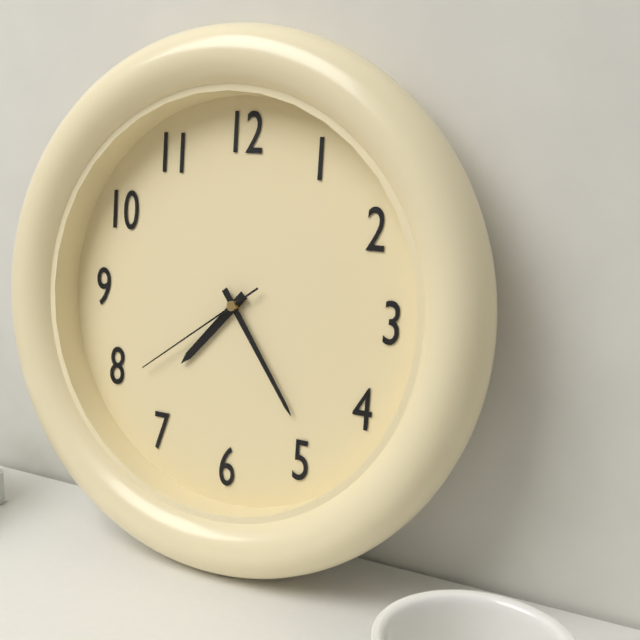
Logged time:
7h24m39s
